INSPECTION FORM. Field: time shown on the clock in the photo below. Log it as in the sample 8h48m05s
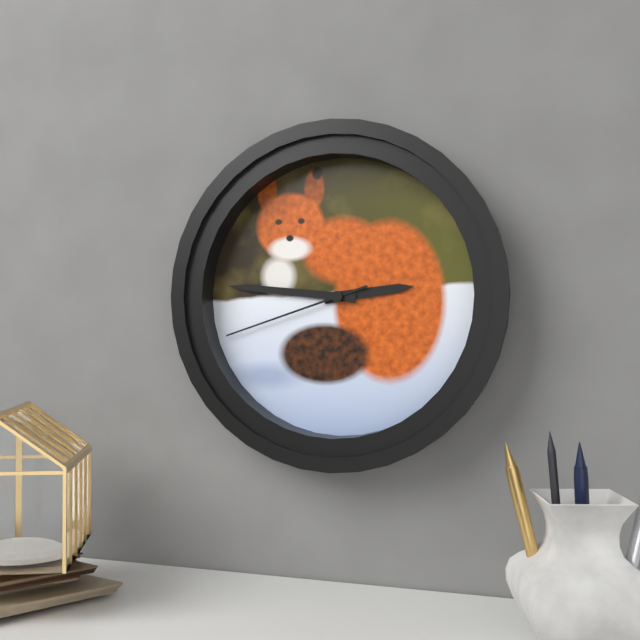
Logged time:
2h46m42s
